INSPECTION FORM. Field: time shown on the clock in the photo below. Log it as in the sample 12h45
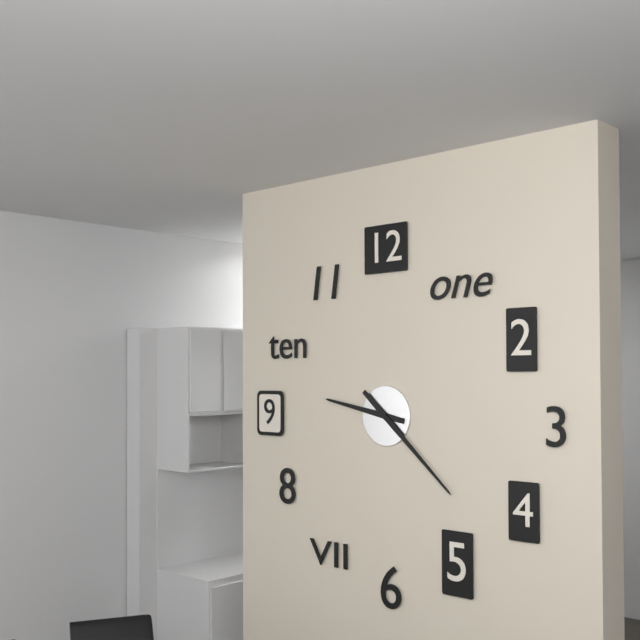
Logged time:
9h22
